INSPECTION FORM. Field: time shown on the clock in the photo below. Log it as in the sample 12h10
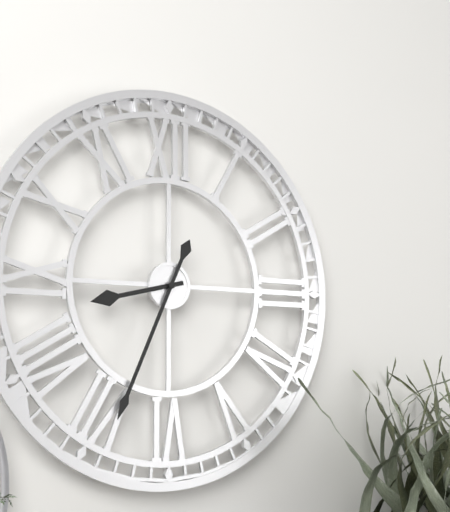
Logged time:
8h34
